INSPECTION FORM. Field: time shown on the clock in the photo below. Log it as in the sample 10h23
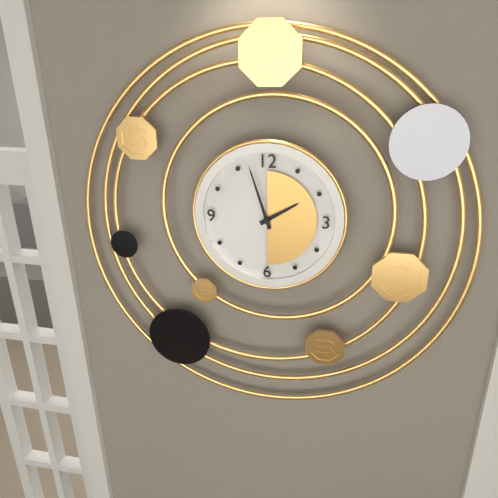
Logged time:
1h57
